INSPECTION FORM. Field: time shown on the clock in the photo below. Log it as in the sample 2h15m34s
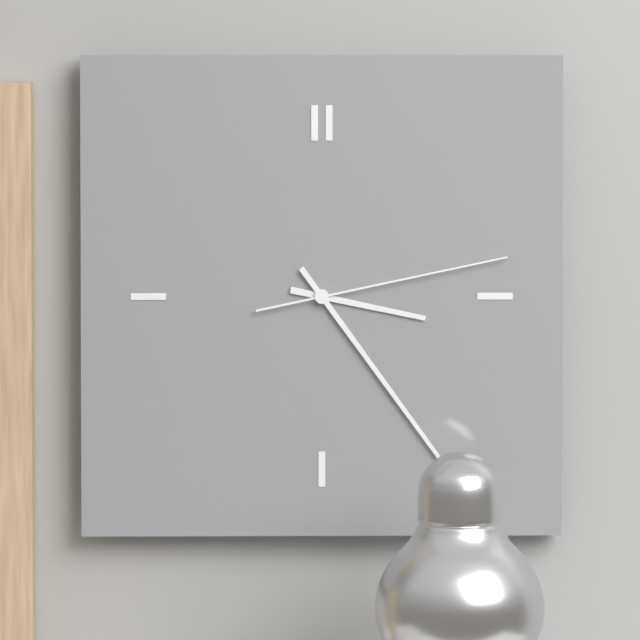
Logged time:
3h24m13s
